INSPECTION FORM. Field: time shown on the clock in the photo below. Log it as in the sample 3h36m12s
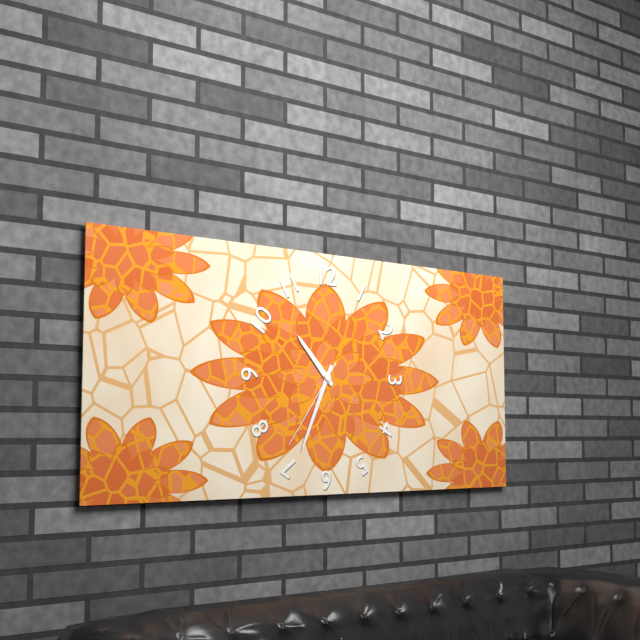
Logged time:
10h34m36s
